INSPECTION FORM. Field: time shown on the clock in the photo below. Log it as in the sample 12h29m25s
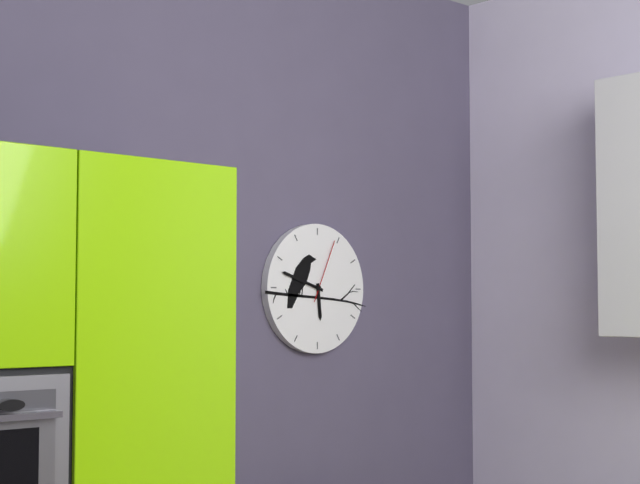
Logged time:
5h48m04s
